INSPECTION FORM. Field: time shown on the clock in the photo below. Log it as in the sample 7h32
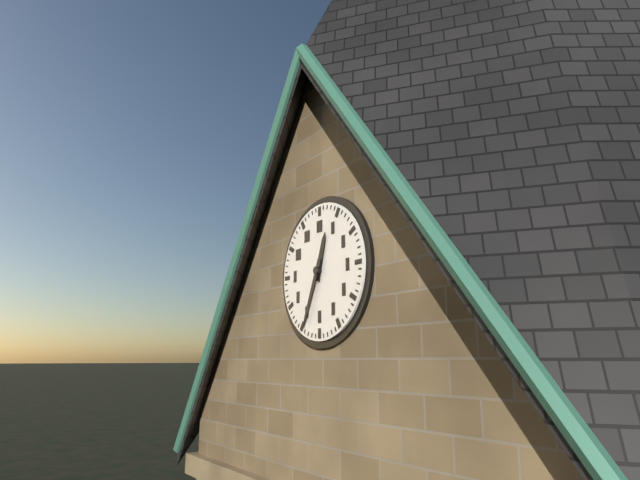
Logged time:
12h34
